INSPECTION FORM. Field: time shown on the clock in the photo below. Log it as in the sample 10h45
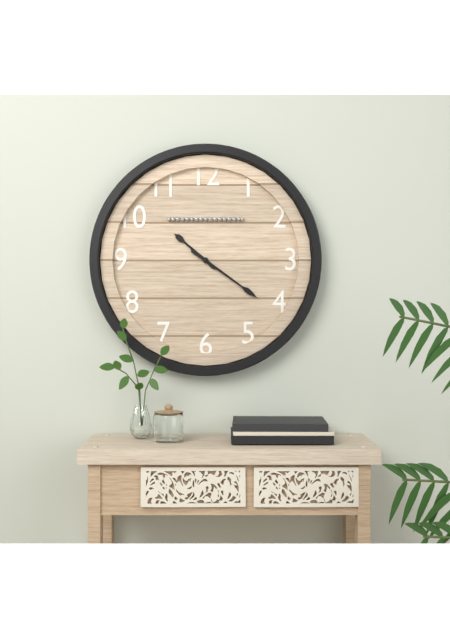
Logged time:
10h21
